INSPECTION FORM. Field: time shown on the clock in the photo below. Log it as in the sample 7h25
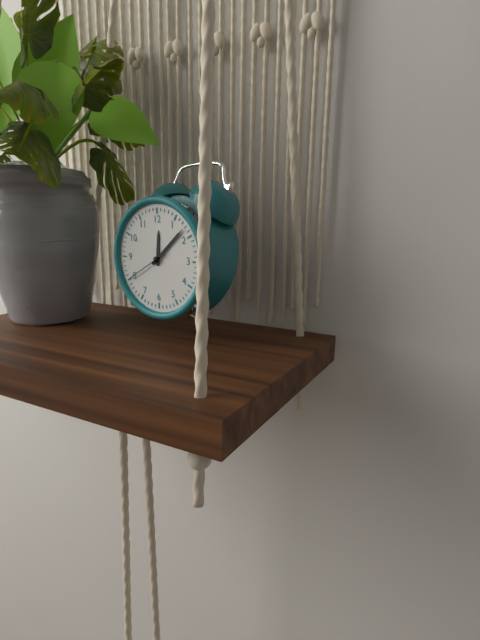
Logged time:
12h08
